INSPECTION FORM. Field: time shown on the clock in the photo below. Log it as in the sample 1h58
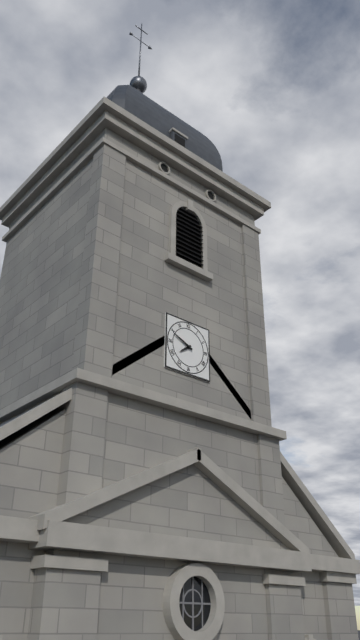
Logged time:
7h49
